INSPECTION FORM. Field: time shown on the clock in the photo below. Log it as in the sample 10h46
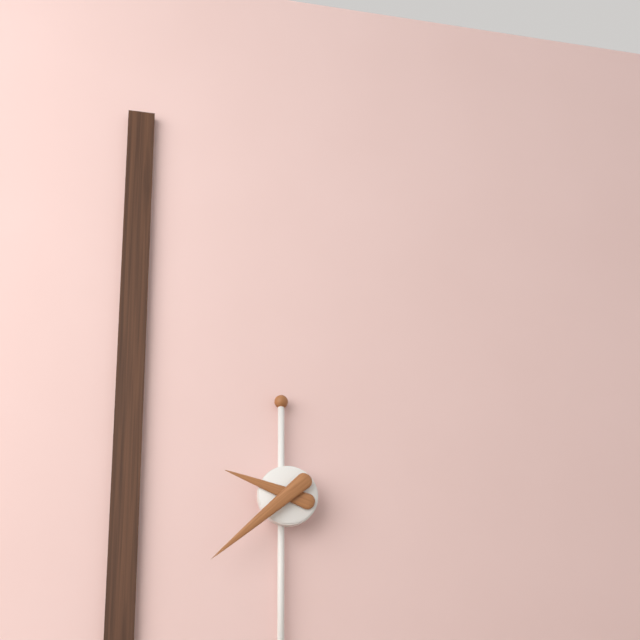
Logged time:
9h38
